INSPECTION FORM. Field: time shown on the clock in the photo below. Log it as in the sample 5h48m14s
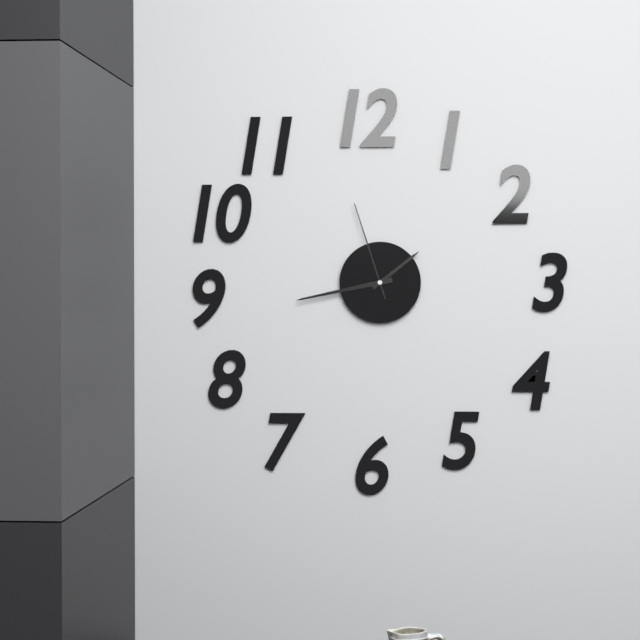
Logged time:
1h43m57s
